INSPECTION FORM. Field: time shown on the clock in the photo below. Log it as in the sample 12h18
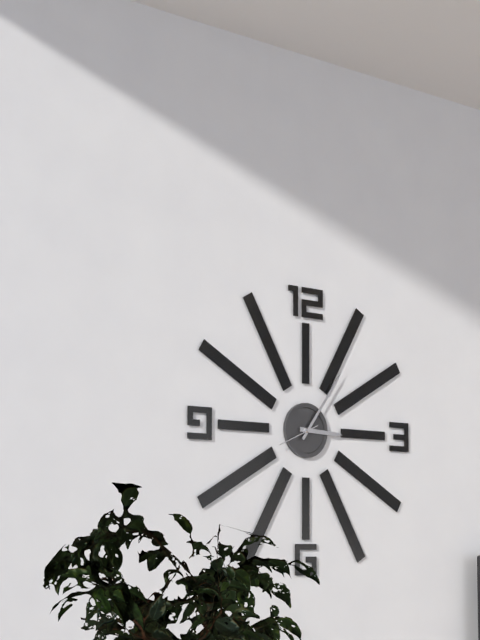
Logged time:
3h06
